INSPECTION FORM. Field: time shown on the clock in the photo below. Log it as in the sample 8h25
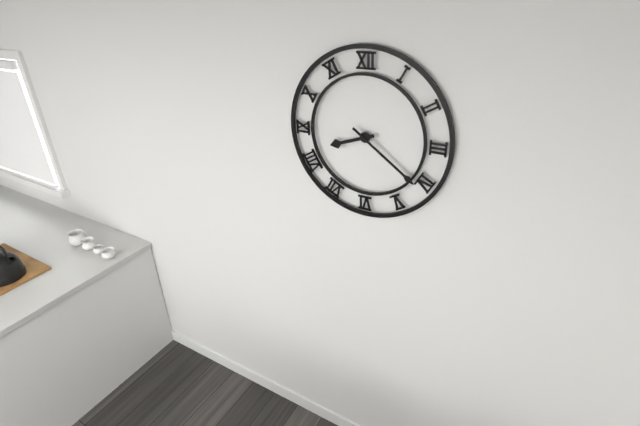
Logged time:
8h21
